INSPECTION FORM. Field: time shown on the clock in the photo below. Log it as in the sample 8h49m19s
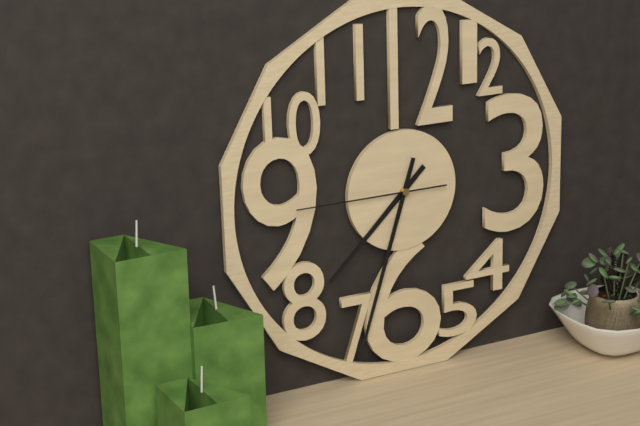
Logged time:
7h33m45s
